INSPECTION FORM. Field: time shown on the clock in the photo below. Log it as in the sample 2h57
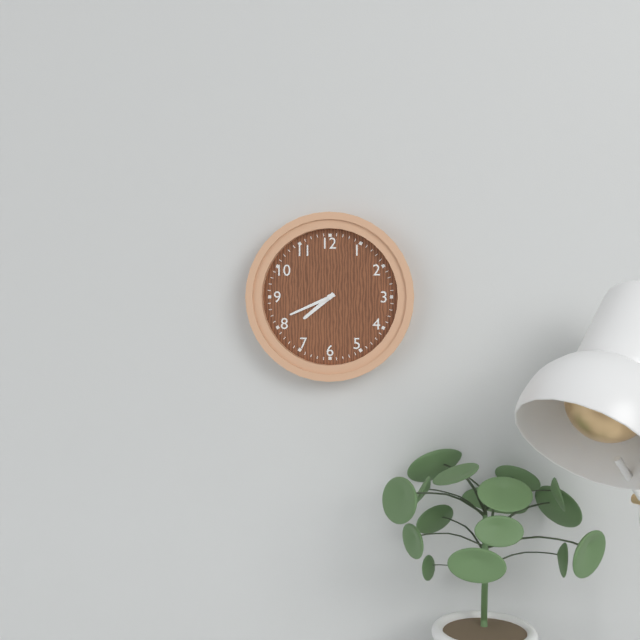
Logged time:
7h41
